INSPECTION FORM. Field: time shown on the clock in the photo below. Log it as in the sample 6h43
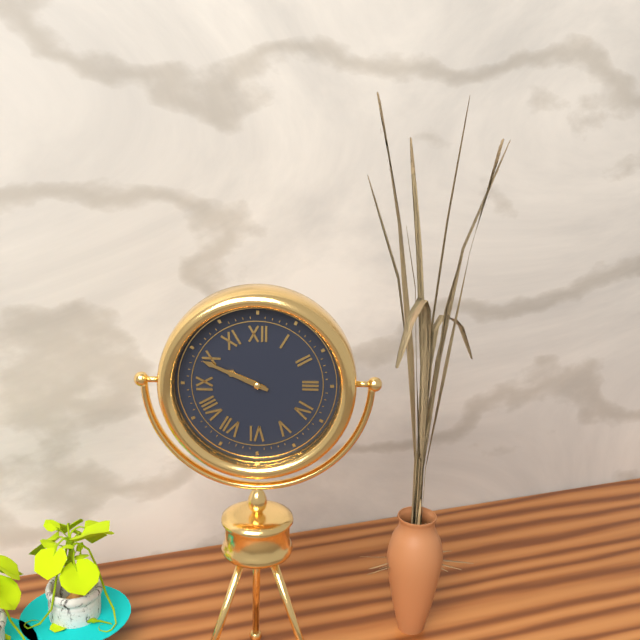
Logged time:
9h49
